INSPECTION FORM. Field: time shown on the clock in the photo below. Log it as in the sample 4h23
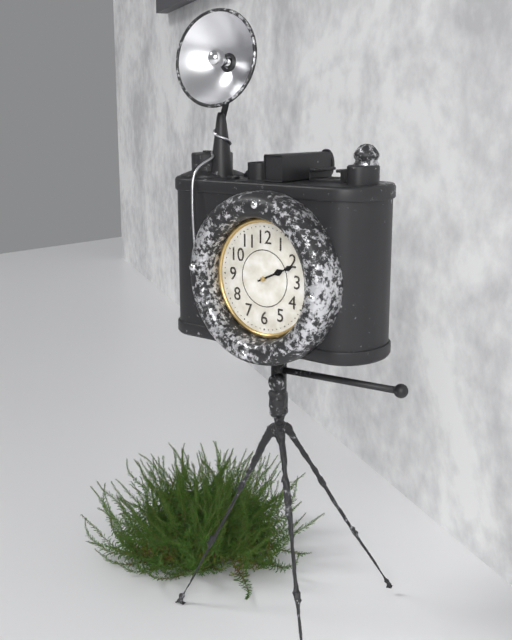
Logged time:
2h11
